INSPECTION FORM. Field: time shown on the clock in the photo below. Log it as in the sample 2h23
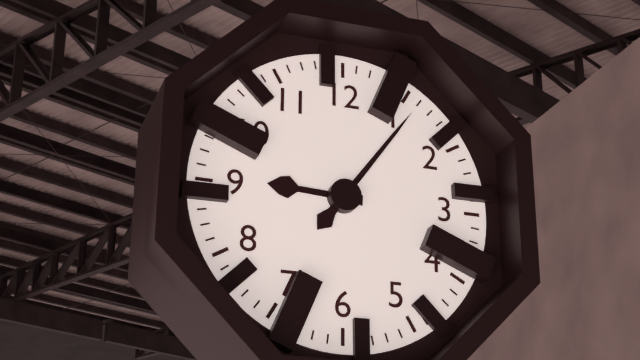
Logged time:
9h06
